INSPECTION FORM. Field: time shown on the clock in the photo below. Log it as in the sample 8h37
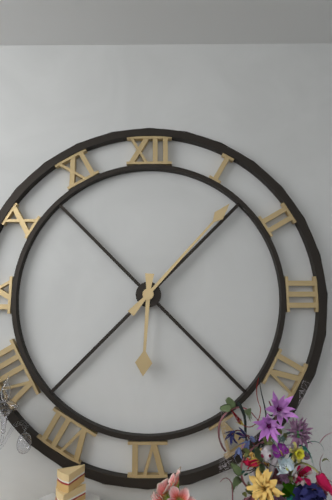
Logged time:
6h07
